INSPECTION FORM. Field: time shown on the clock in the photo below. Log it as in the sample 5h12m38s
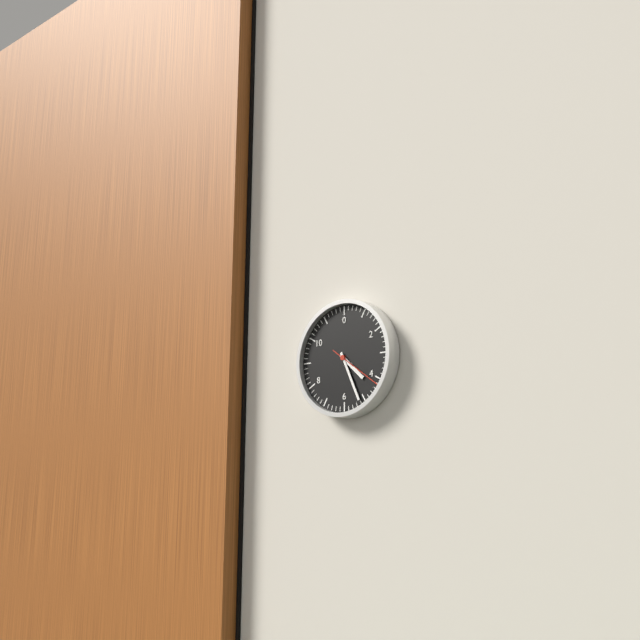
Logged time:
4h26m21s
